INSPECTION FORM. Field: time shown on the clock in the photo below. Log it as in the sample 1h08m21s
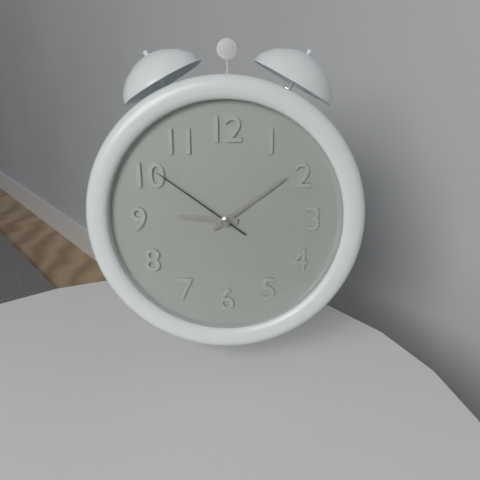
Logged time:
9h09m51s
